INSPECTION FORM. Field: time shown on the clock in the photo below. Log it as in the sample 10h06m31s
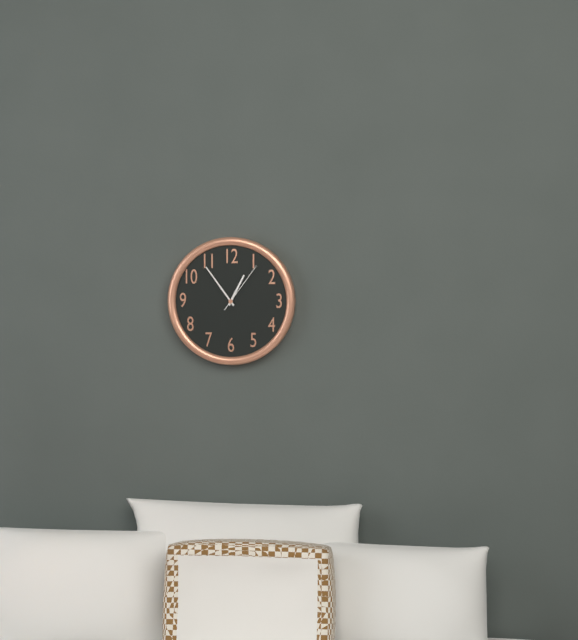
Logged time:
12h54m06s
